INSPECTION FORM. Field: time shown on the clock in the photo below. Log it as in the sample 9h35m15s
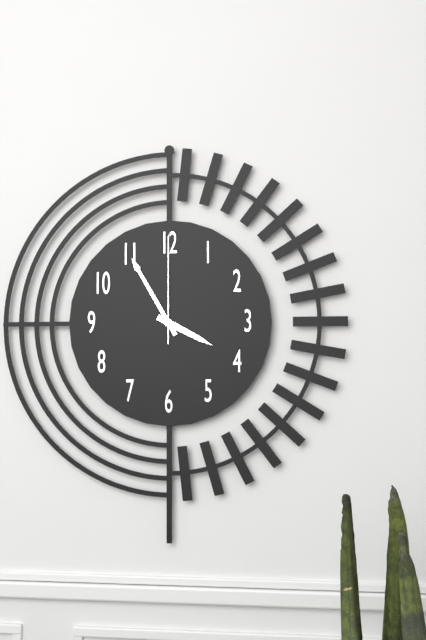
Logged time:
3h55m00s
